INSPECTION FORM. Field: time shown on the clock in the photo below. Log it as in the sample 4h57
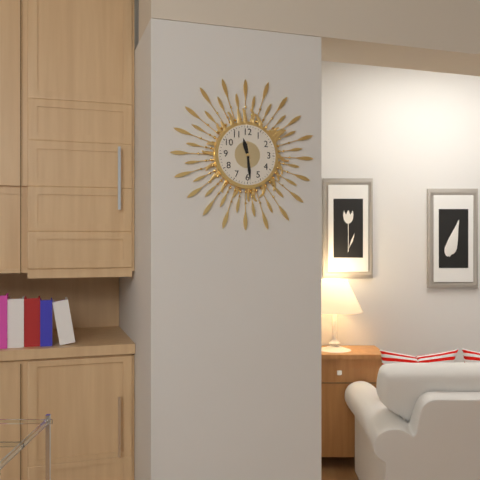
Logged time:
11h29
